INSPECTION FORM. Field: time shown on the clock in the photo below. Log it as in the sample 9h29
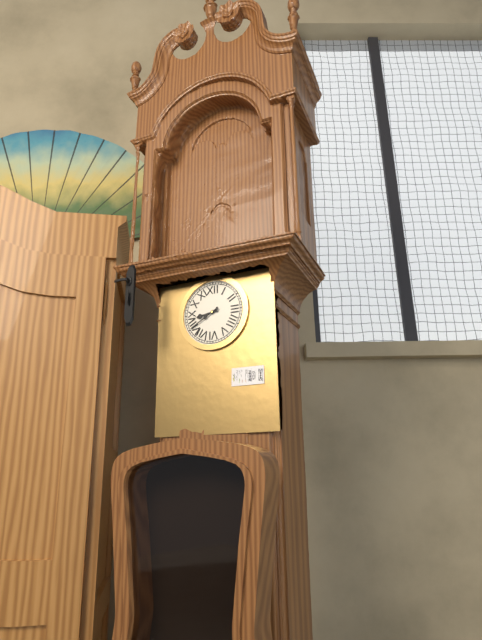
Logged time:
8h40
